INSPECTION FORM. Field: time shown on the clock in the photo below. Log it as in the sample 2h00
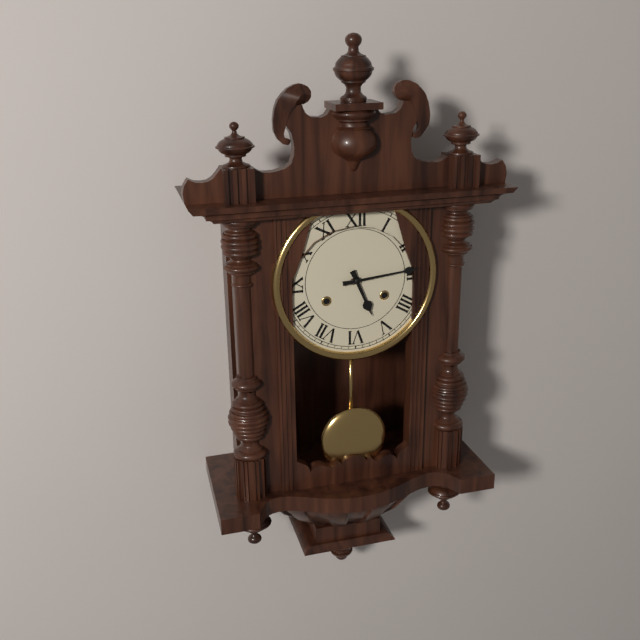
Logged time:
5h14
